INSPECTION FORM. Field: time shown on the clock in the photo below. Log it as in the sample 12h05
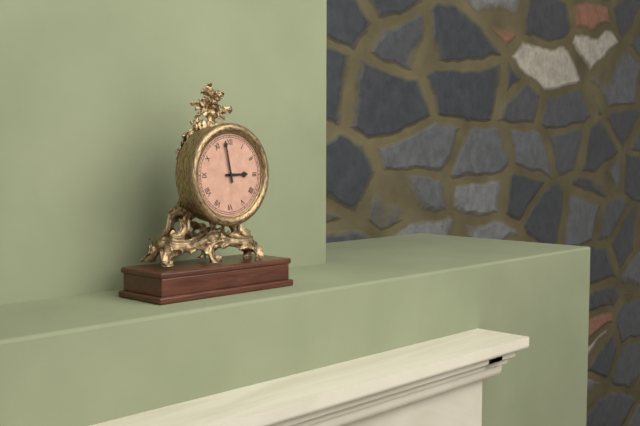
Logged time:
2h58
